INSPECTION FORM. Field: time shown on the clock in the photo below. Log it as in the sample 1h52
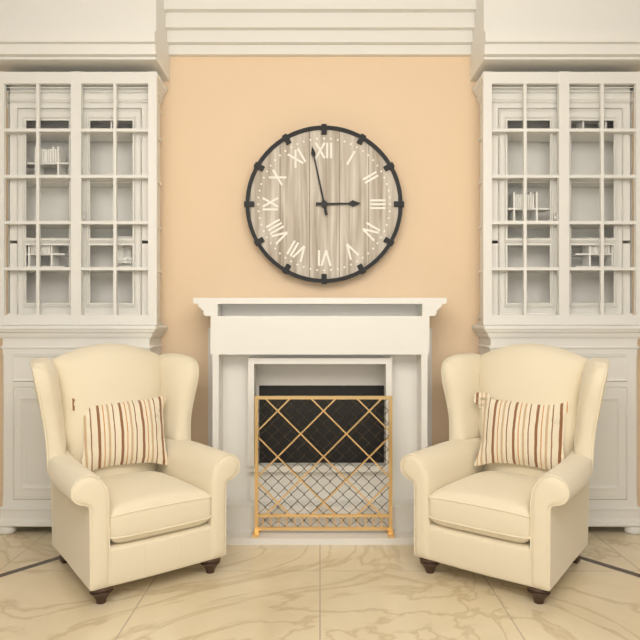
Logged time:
2h58
